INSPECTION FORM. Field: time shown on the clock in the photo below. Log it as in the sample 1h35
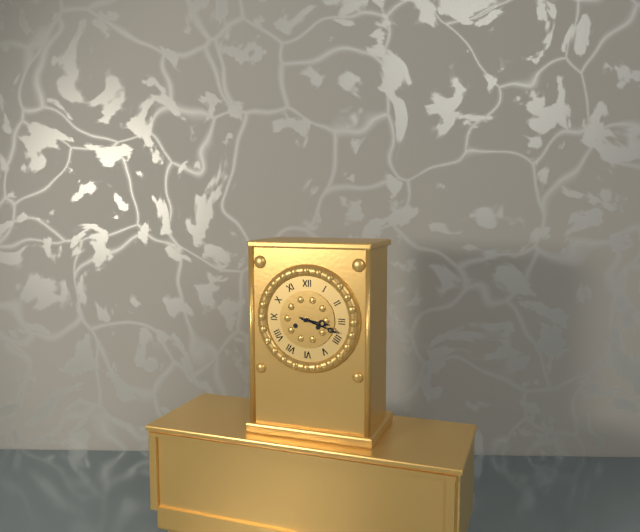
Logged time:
3h18
